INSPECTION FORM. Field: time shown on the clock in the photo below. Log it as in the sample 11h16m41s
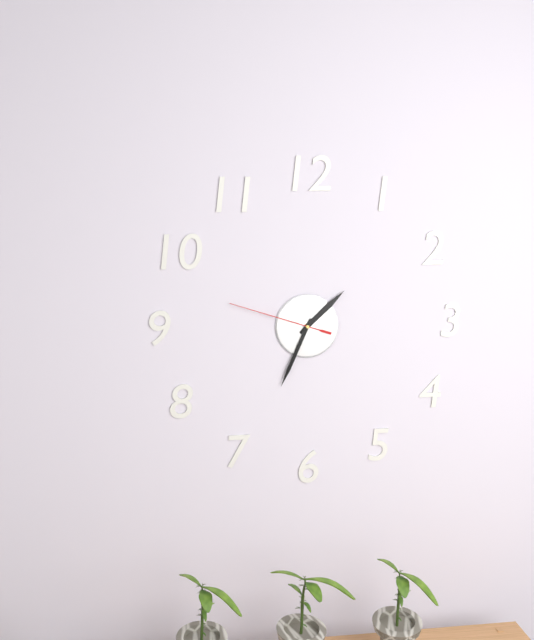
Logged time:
1h34m48s
